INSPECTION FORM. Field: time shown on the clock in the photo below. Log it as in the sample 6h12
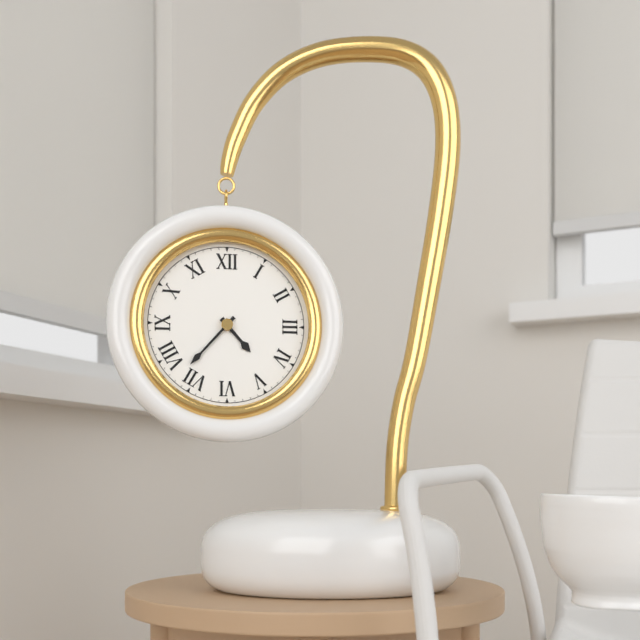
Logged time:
4h37
